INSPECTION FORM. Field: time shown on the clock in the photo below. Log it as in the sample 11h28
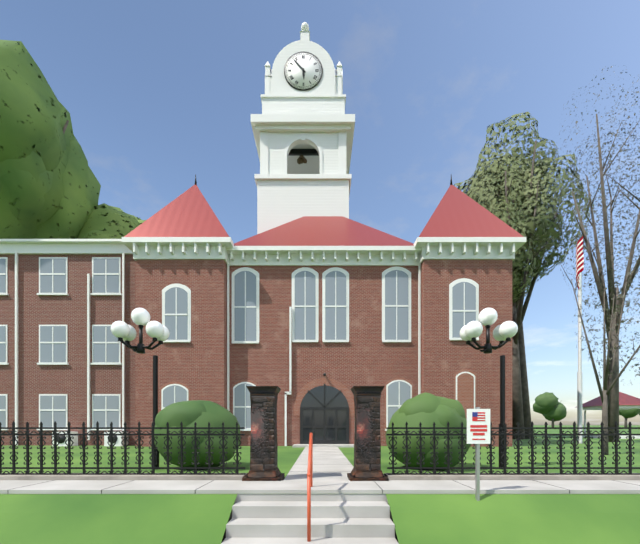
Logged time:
5h53
